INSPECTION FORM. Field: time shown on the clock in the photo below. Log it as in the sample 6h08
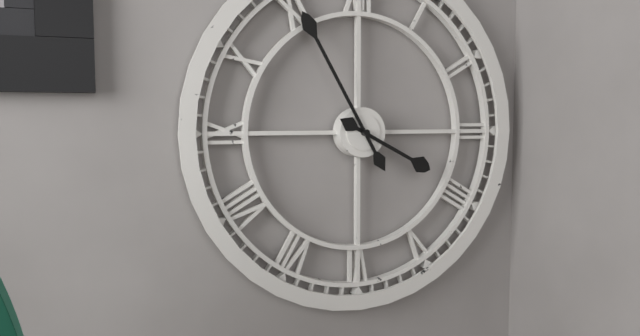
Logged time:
3h55
